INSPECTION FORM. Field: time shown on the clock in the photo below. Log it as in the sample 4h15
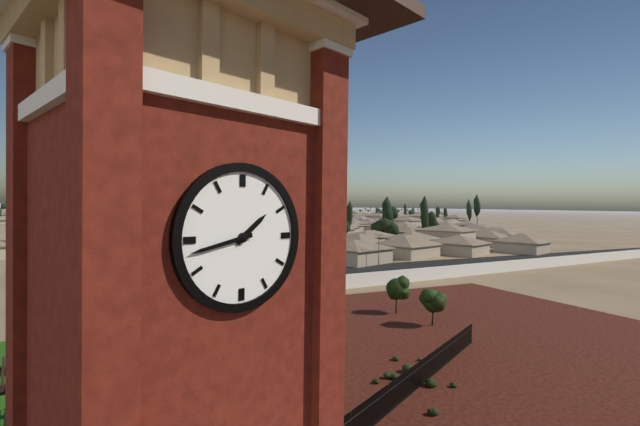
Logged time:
1h43
